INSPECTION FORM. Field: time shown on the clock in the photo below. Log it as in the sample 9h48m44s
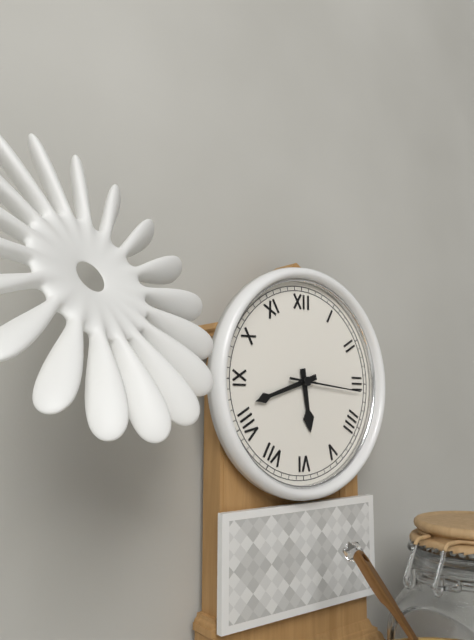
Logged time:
5h42m16s
